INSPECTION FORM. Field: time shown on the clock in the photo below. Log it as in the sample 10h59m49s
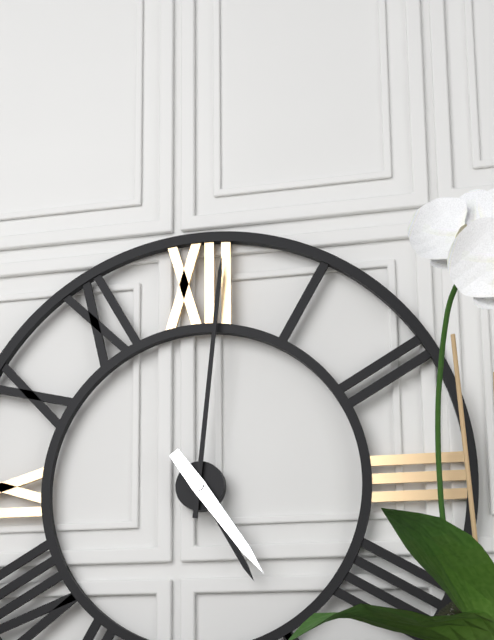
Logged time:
5h01m24s
